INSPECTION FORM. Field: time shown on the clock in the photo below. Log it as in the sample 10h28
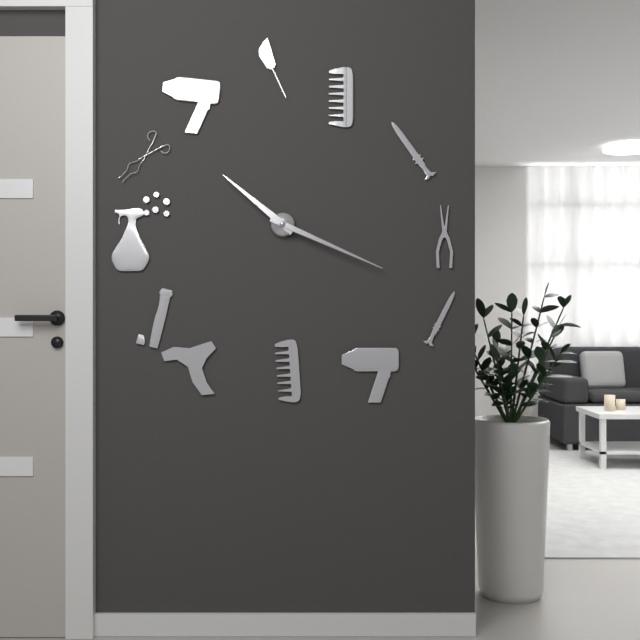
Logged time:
10h19
